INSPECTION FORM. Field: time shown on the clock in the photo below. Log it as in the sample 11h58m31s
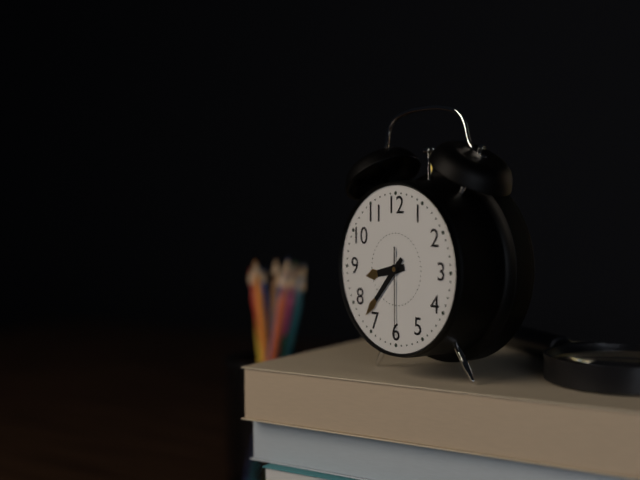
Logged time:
8h37m30s
